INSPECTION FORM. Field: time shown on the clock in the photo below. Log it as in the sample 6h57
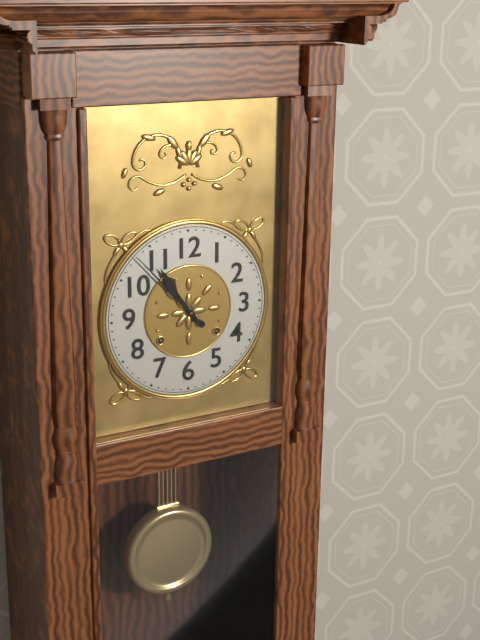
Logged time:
10h53
